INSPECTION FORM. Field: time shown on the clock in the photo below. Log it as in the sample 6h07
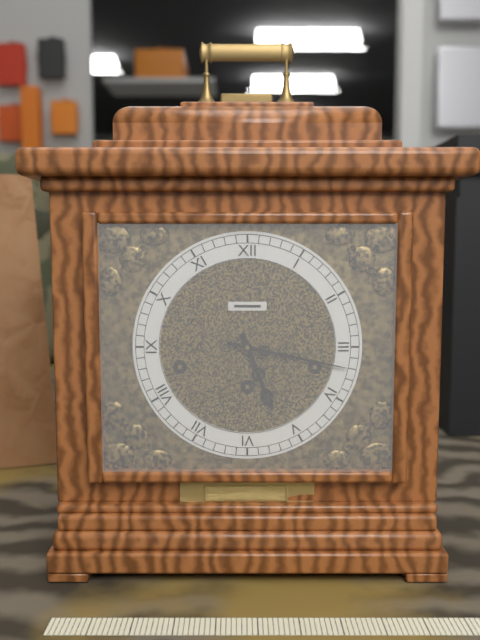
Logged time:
5h17
